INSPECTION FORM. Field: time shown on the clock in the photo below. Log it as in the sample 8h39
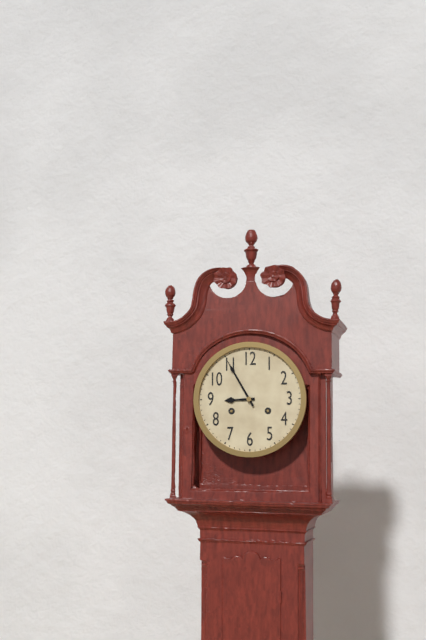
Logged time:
8h55
